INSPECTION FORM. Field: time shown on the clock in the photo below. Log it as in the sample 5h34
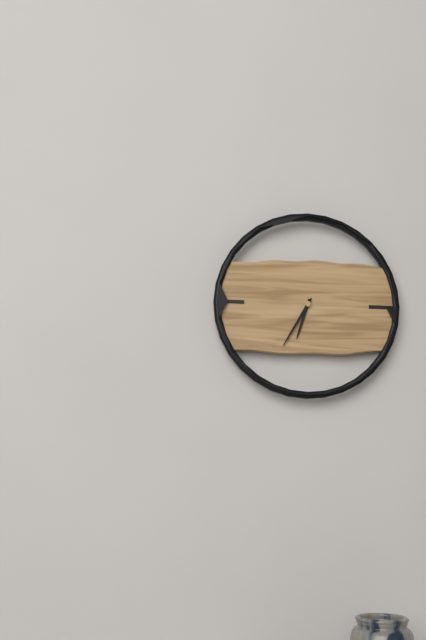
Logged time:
6h35
